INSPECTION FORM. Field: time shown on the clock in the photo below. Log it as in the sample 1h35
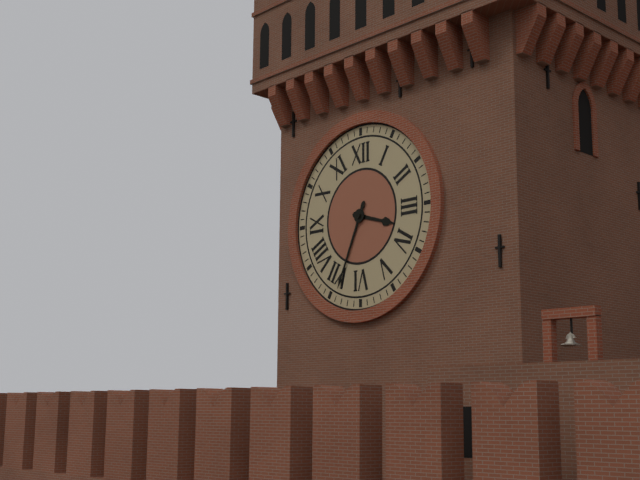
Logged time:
3h34
